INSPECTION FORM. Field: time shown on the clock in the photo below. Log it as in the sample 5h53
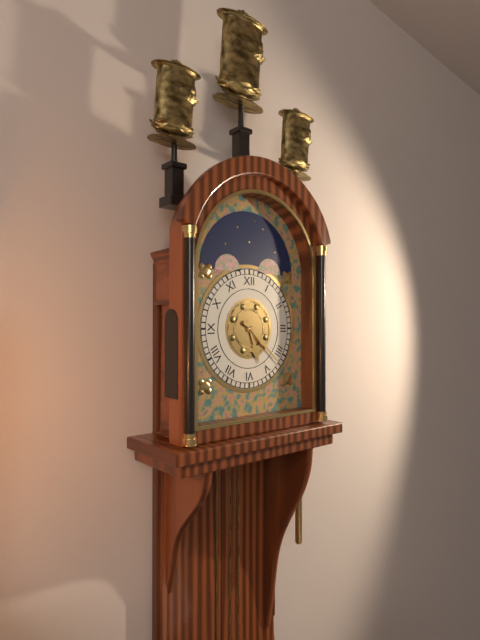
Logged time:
5h22
